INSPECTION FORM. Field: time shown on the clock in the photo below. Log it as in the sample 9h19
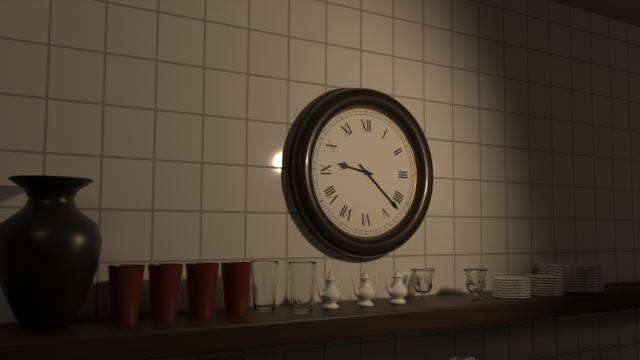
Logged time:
9h22
